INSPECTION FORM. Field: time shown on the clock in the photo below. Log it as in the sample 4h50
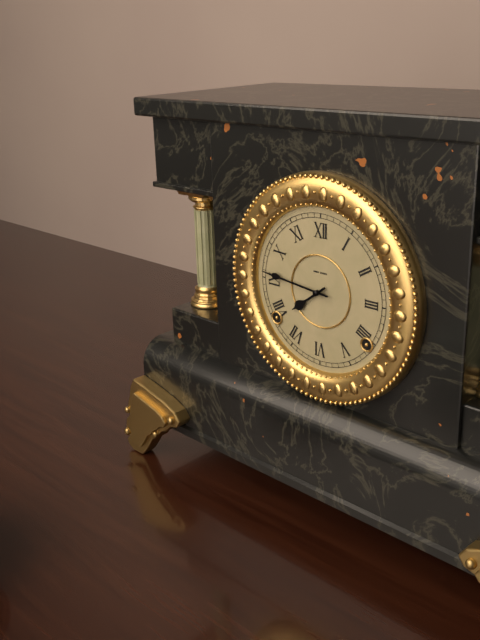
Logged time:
7h46
